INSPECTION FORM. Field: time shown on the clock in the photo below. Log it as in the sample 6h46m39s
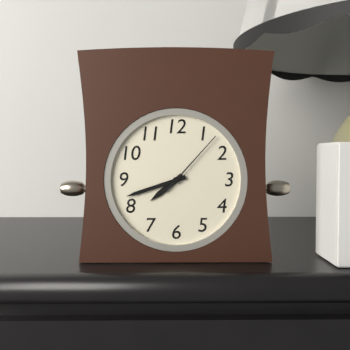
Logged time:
7h42m07s
